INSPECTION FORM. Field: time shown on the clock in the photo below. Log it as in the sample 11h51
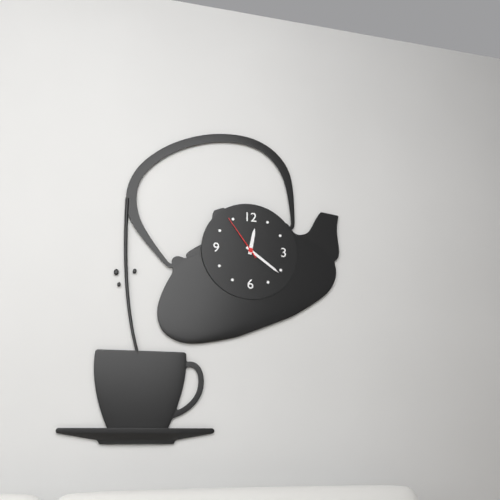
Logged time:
12h21
